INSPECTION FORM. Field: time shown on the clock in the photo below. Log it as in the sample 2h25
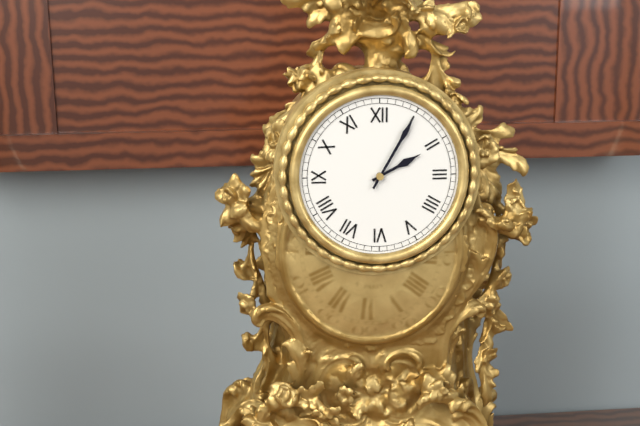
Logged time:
2h05
